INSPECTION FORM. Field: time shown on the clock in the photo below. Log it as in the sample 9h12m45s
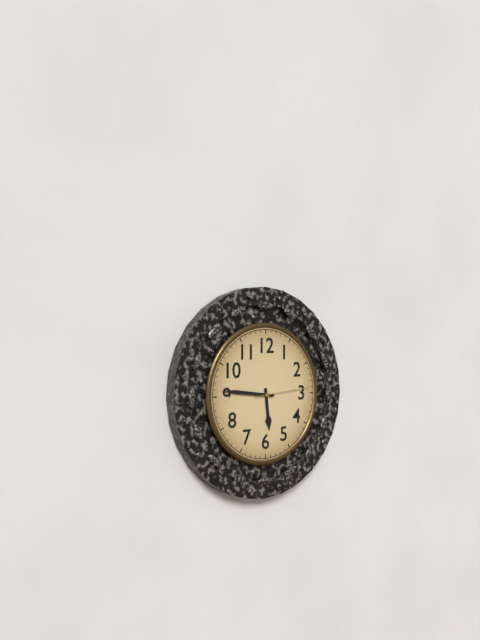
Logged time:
5h46m14s
